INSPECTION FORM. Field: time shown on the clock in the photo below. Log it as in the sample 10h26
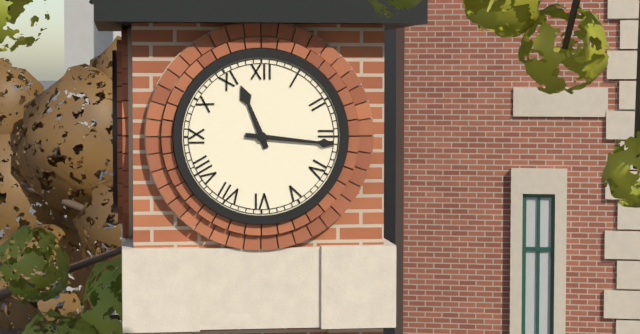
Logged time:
11h16
